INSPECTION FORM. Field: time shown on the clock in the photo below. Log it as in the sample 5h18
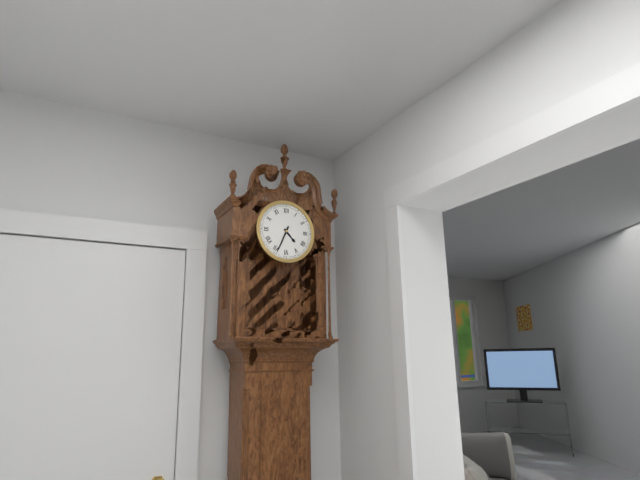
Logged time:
4h34
